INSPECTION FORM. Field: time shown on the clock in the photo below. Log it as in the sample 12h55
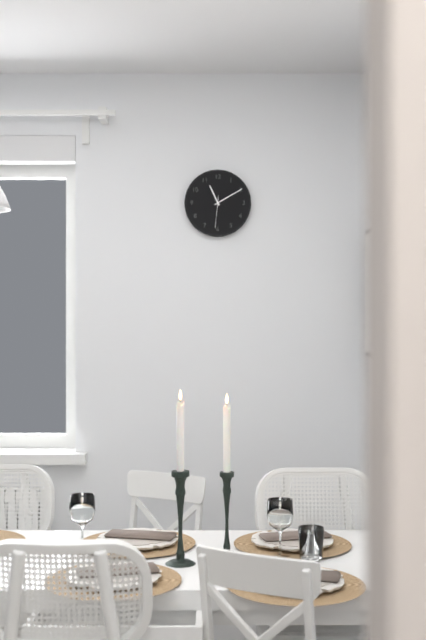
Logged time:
11h10
